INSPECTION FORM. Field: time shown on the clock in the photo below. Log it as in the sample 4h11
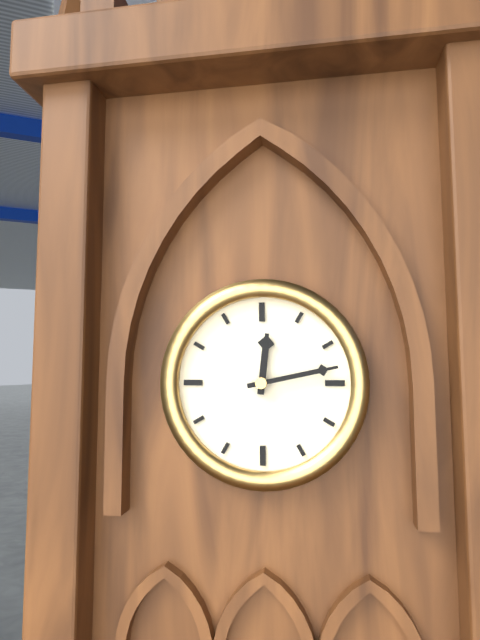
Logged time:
12h13
